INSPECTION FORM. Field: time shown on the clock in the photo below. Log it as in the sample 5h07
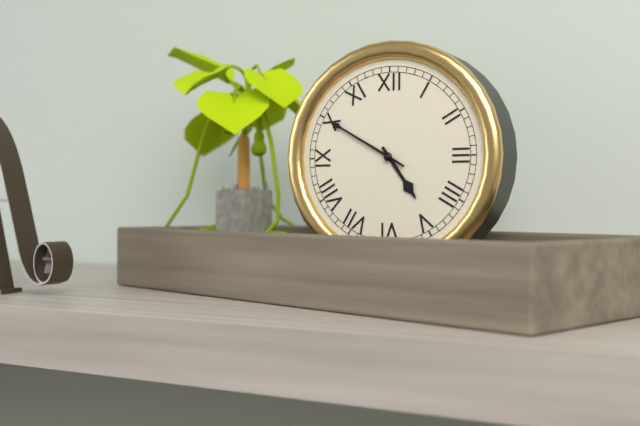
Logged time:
4h50
